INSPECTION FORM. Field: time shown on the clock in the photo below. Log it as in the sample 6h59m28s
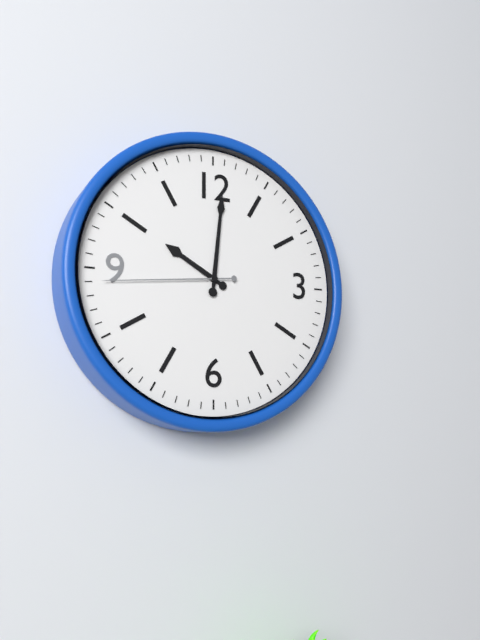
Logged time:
10h01m44s
